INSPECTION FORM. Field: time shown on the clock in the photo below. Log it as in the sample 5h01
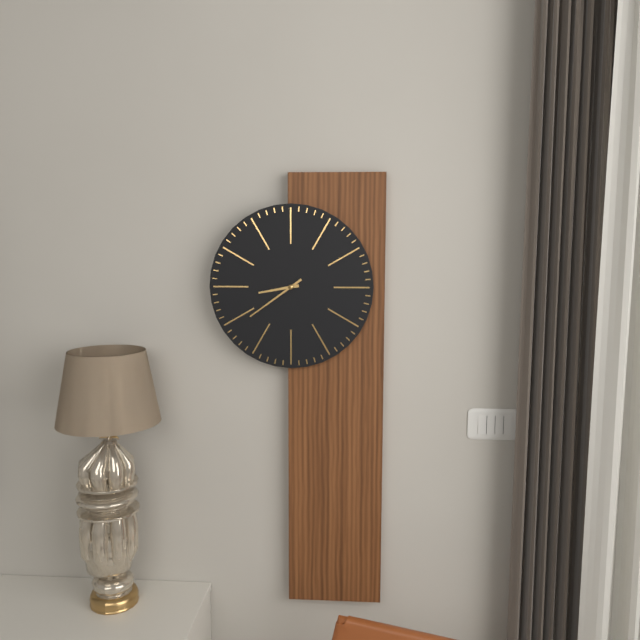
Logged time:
8h39
